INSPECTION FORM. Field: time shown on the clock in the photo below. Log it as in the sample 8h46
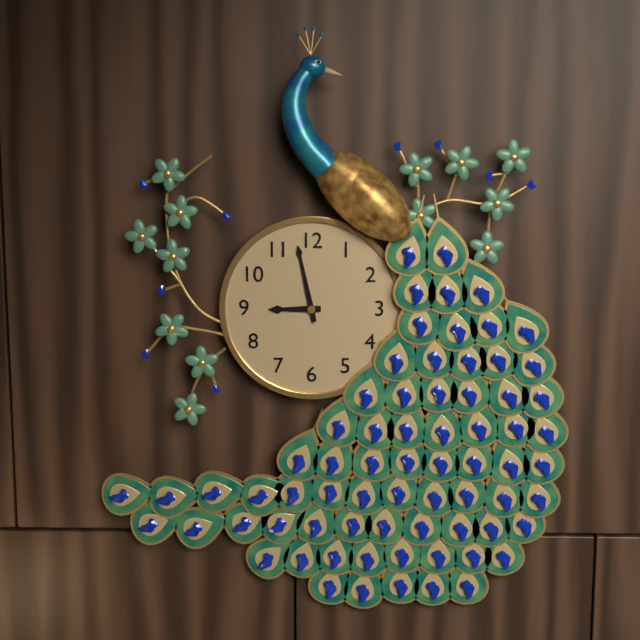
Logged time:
8h58
